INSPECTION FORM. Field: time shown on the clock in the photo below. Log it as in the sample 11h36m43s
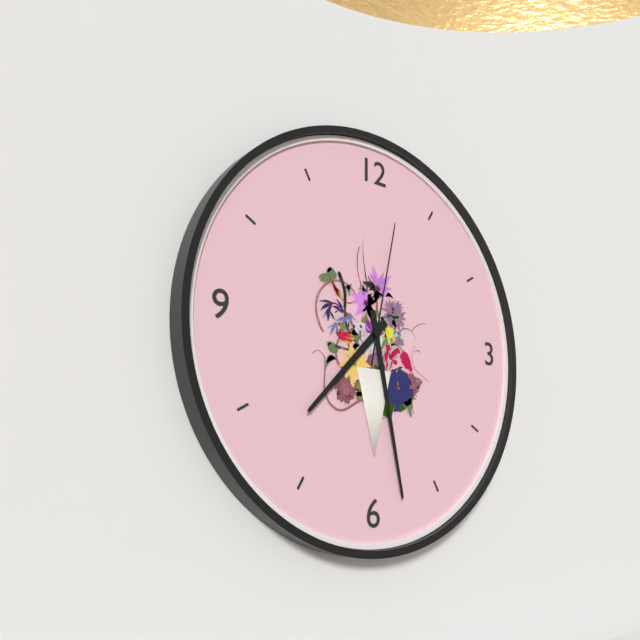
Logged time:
7h28m02s
